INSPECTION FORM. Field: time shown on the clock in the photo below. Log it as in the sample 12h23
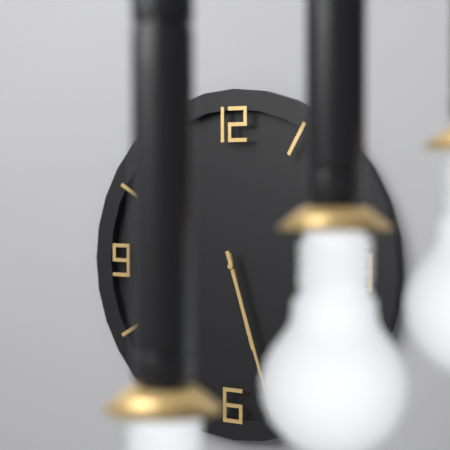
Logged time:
5h27
